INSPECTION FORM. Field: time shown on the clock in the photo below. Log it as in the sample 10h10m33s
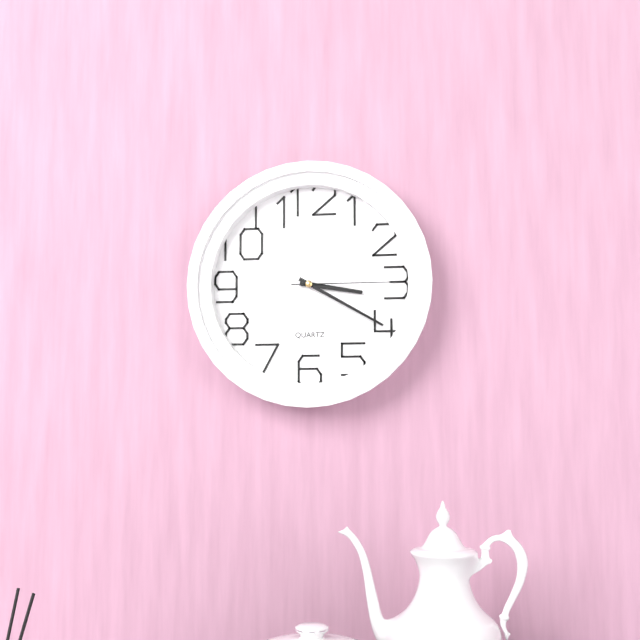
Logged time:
3h20m15s
